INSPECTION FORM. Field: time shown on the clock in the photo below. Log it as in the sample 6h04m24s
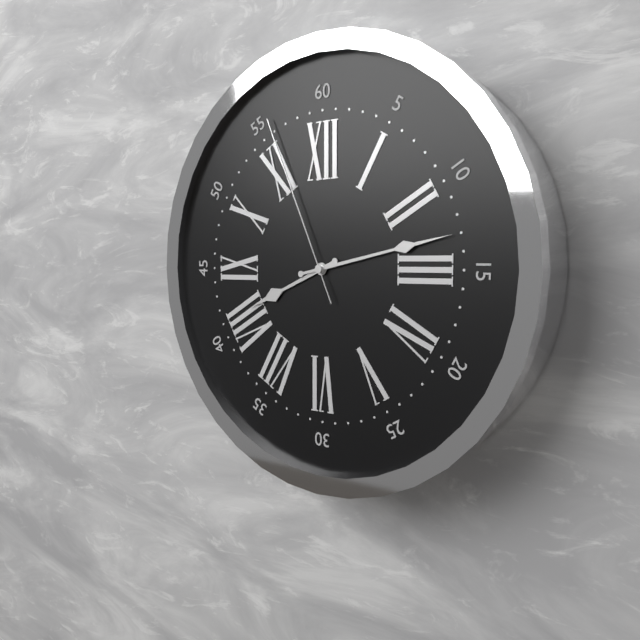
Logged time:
8h13m56s
